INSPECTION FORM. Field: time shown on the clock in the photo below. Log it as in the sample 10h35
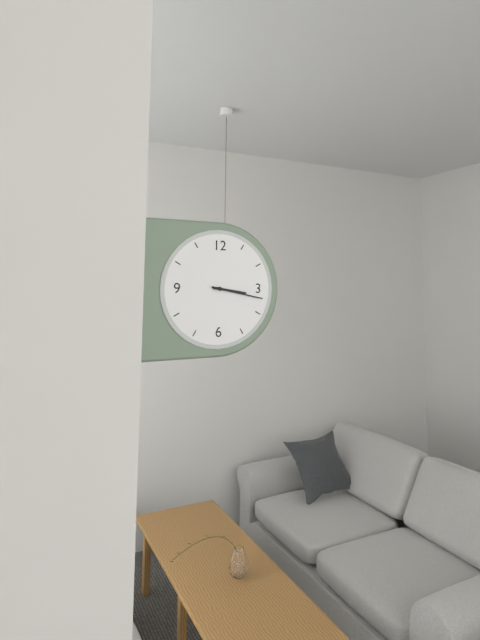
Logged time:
3h17
